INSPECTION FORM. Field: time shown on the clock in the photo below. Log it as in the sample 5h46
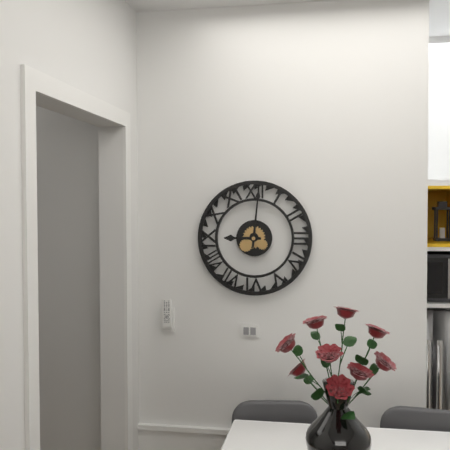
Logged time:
9h01
